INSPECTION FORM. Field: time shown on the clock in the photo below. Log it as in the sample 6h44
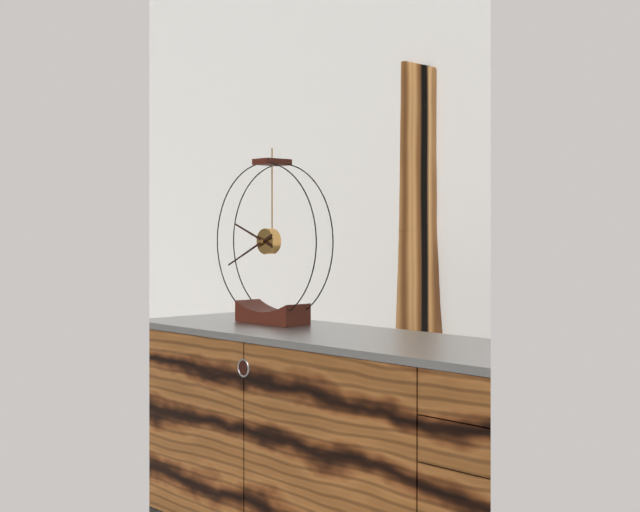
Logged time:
9h41
